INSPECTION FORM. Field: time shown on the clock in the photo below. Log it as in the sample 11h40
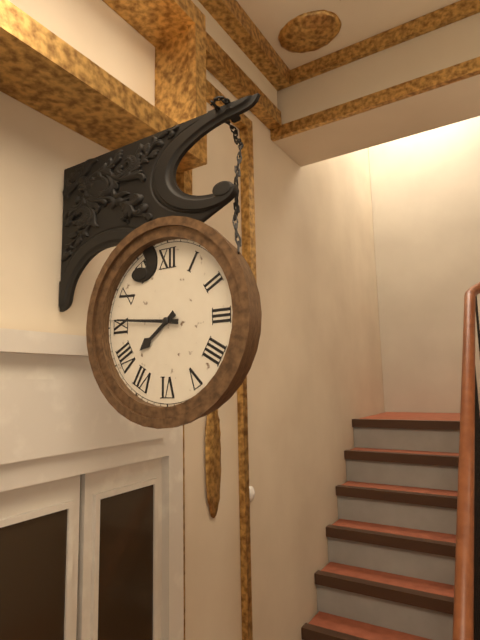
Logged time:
7h46
